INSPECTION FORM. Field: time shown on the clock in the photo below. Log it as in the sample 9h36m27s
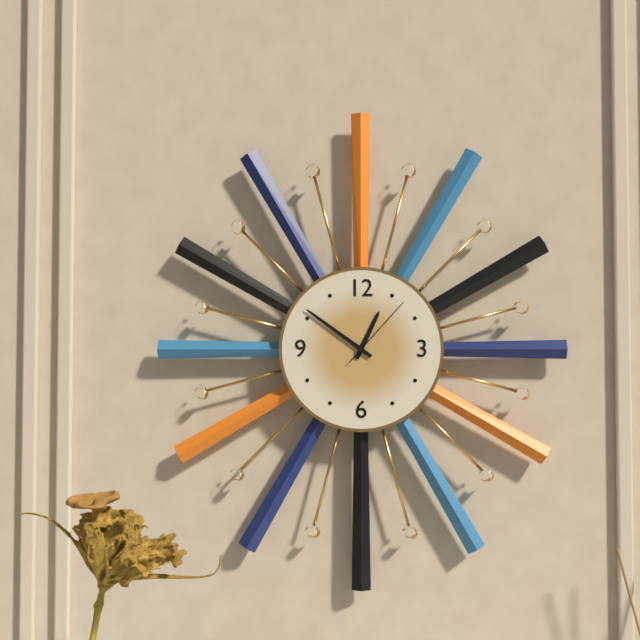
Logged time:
12h51m07s
